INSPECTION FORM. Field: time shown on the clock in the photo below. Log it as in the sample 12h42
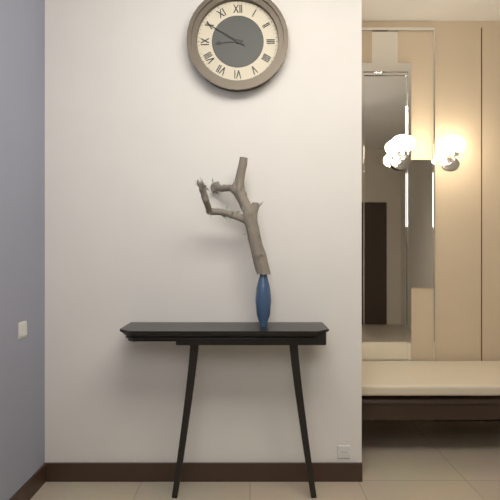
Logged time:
8h50
